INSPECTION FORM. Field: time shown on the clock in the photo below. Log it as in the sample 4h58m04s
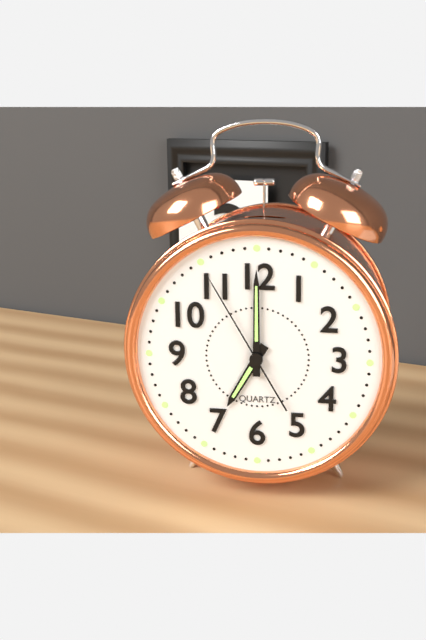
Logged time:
7h00m55s
